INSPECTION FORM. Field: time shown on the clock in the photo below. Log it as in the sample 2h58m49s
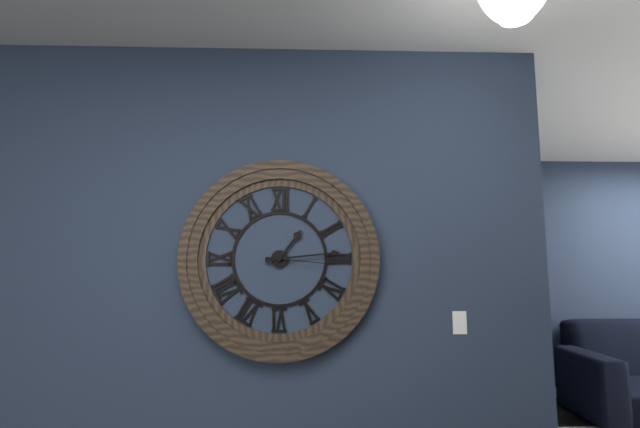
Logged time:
1h14m16s
